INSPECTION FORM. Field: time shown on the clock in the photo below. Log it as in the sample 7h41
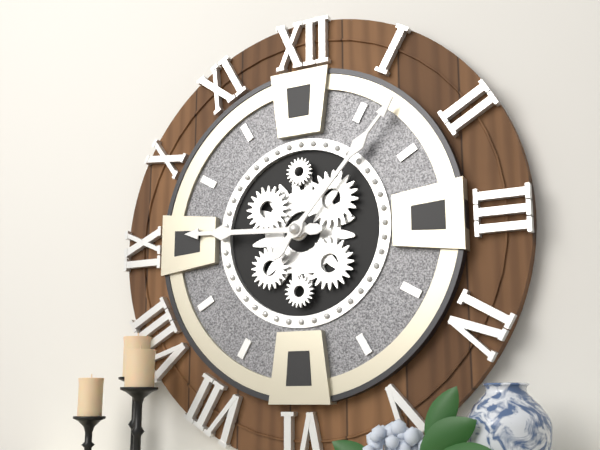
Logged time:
9h07
